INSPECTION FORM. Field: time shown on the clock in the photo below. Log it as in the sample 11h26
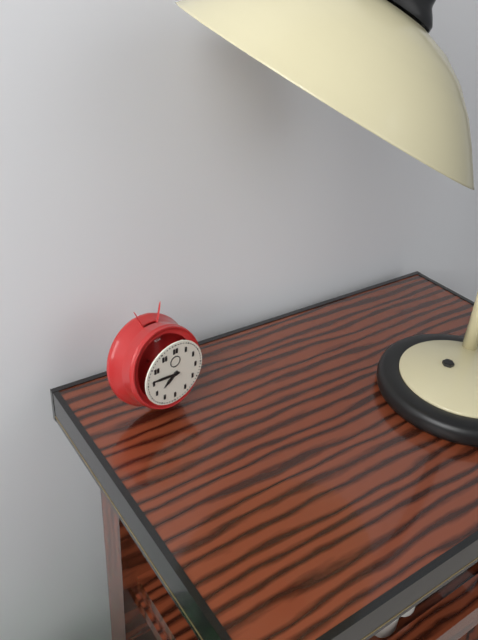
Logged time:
7h46
